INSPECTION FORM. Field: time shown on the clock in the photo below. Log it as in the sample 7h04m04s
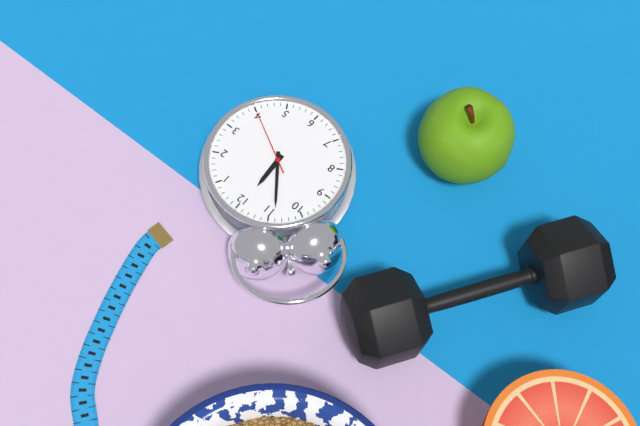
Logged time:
11h54m20s
